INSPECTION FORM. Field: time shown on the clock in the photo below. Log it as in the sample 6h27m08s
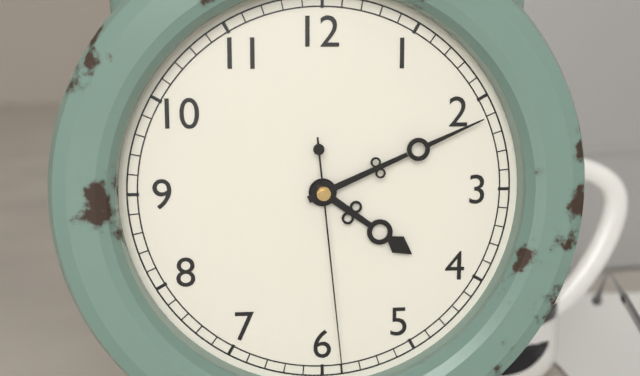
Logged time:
4h11m29s
